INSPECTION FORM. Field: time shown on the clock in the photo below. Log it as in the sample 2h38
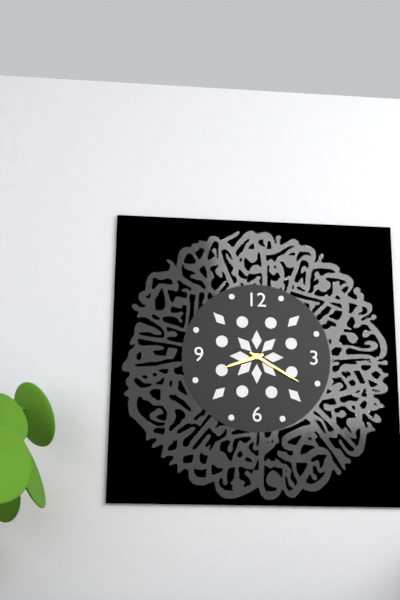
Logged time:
8h20
